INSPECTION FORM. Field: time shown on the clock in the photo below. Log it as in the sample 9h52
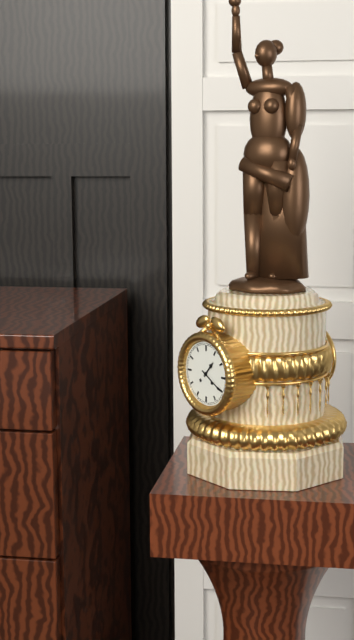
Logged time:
1h20
